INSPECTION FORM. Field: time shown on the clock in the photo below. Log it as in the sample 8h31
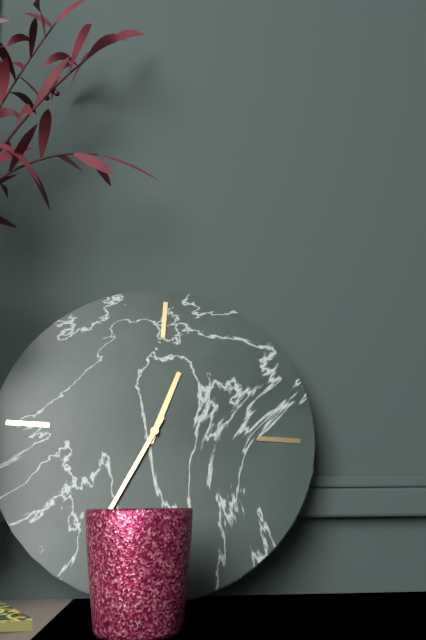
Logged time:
12h34
